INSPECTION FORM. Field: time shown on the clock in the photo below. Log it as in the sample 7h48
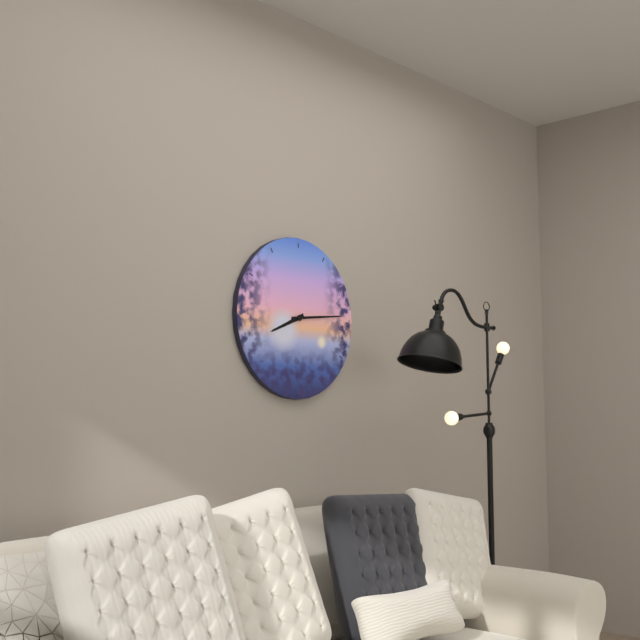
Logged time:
8h14
